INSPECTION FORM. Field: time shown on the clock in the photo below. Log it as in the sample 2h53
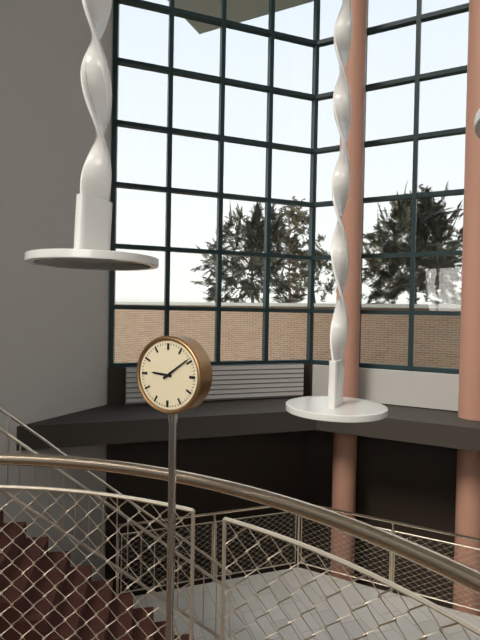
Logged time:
9h09
